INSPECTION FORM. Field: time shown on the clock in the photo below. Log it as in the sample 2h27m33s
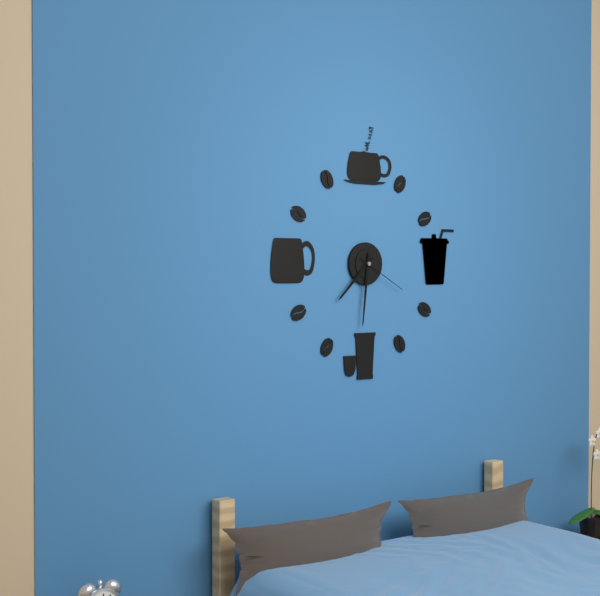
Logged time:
7h31m20s
